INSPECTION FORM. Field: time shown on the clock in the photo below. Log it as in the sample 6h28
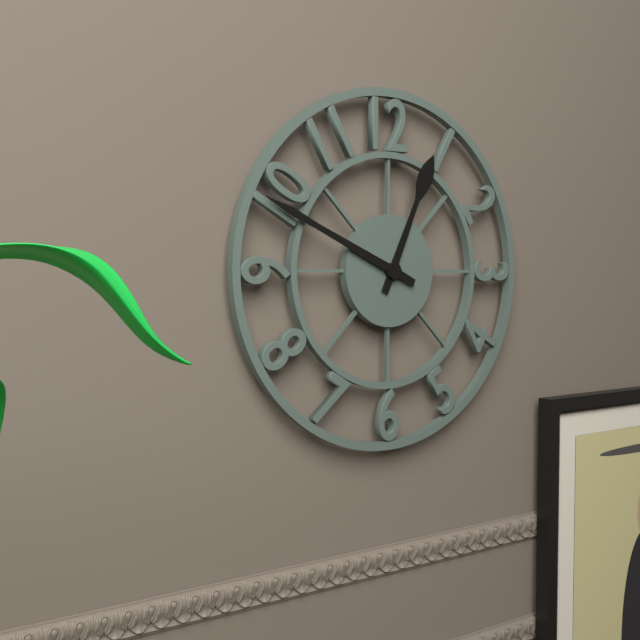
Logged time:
12h49
